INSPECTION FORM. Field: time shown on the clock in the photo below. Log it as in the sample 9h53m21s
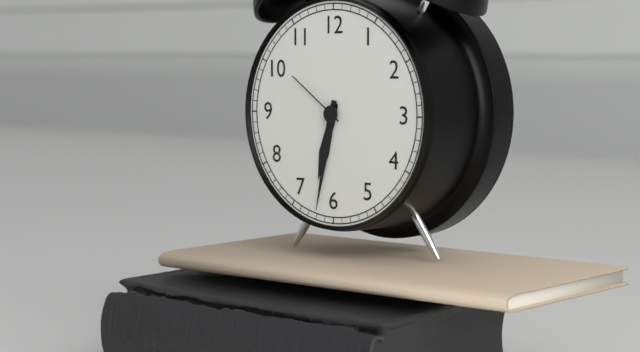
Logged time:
6h32m51s
